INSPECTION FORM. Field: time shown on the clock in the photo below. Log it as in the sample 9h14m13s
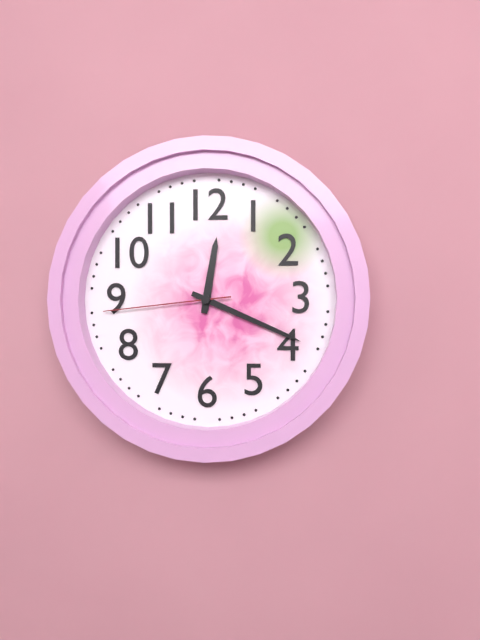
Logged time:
12h19m44s
